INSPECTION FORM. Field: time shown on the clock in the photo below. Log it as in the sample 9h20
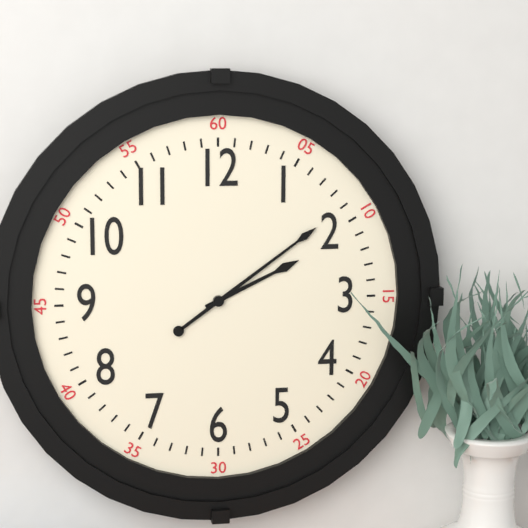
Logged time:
2h09
